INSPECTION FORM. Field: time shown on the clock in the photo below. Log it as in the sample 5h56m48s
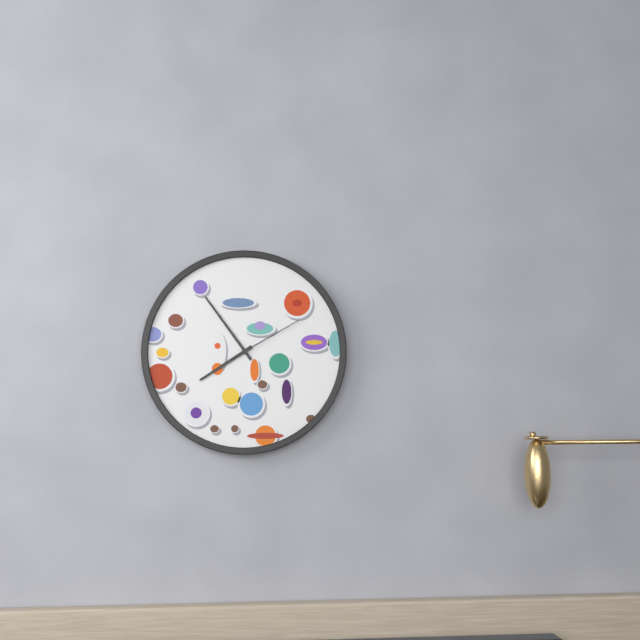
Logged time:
7h54m10s
